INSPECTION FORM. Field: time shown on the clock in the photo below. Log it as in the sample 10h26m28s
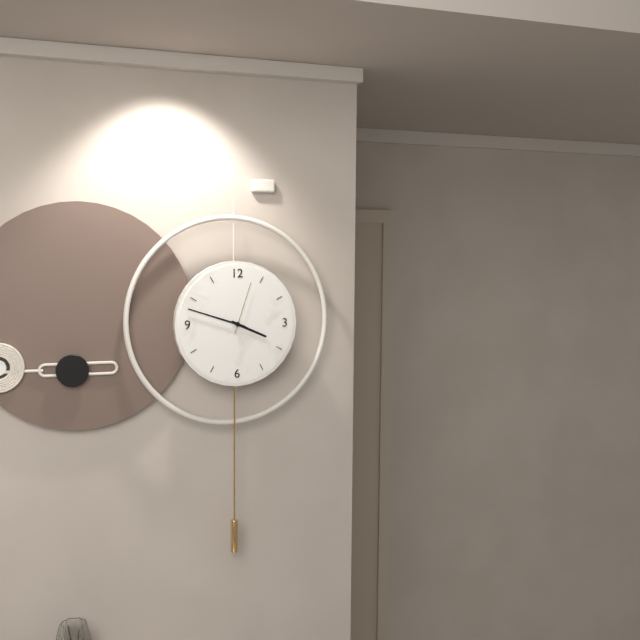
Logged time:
3h48m03s
